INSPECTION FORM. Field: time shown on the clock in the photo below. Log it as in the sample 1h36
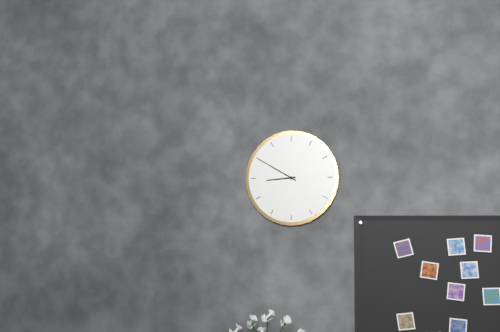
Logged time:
8h50
